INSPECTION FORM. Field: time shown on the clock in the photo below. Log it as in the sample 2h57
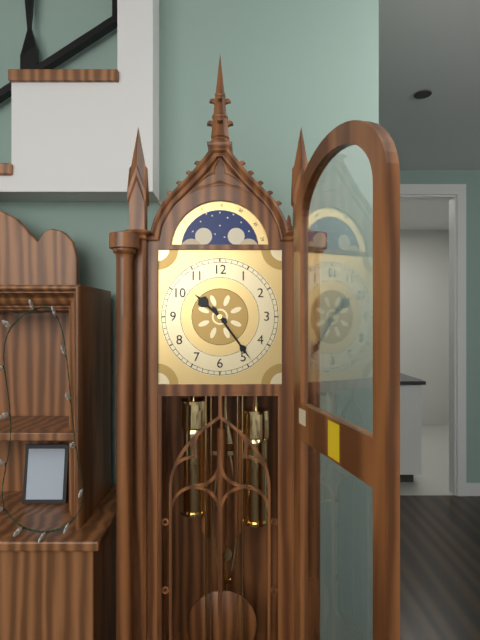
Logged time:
10h24
